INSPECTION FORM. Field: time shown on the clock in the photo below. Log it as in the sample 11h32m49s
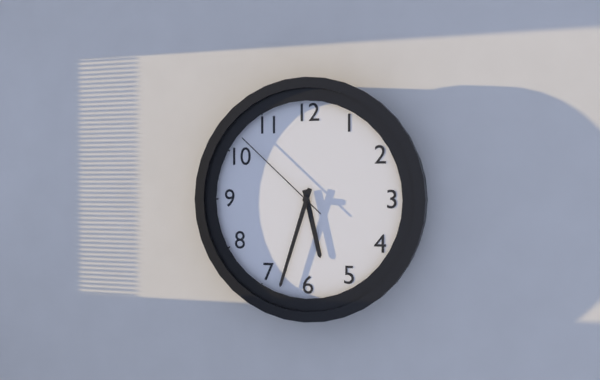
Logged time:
5h33m52s
